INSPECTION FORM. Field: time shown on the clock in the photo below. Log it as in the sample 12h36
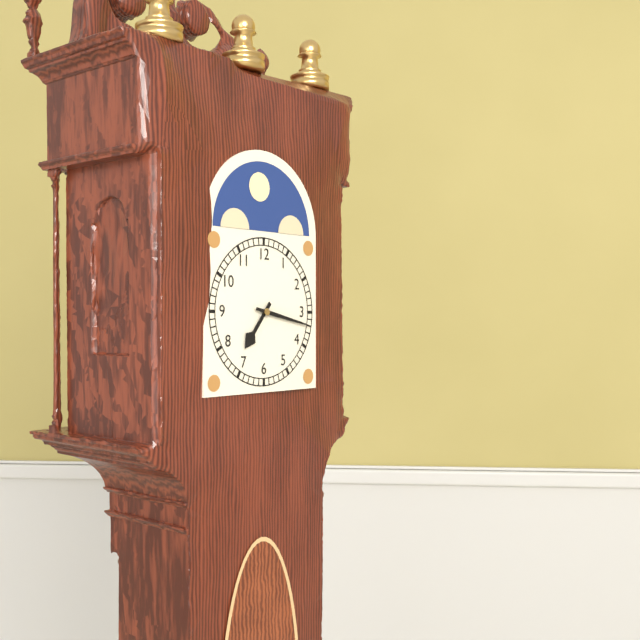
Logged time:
7h17
